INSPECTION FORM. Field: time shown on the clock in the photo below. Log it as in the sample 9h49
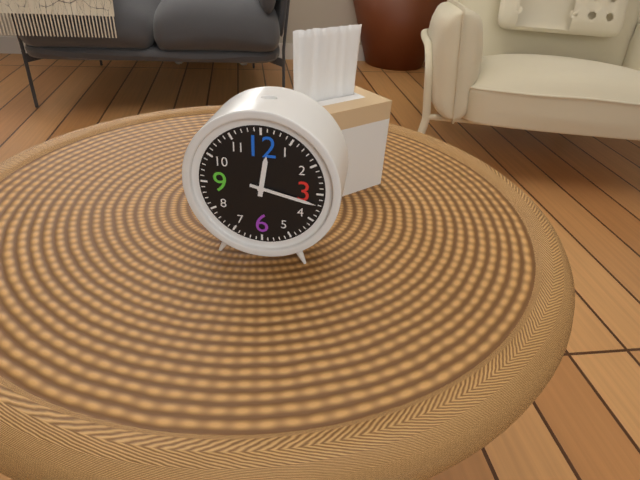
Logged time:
12h17
